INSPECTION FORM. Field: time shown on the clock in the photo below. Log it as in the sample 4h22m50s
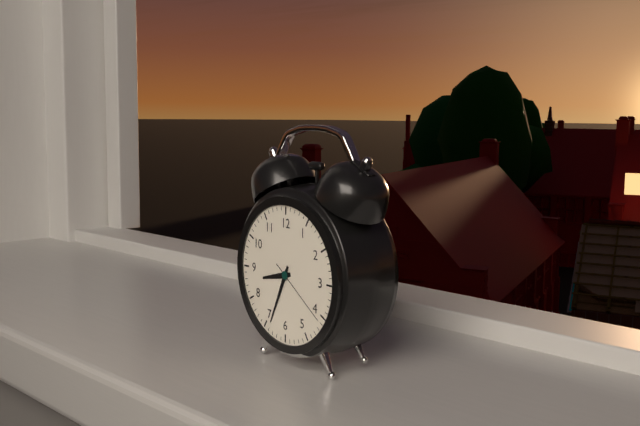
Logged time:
8h34m21s
